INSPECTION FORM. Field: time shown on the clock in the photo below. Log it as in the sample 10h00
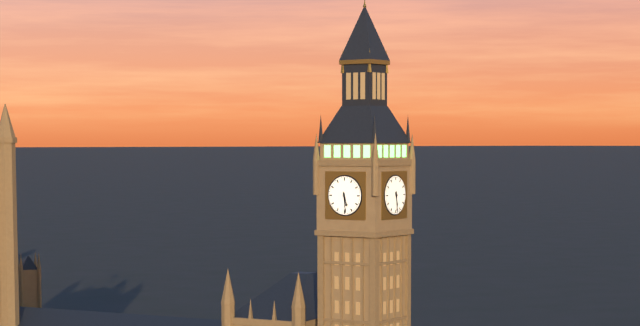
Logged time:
5h29
